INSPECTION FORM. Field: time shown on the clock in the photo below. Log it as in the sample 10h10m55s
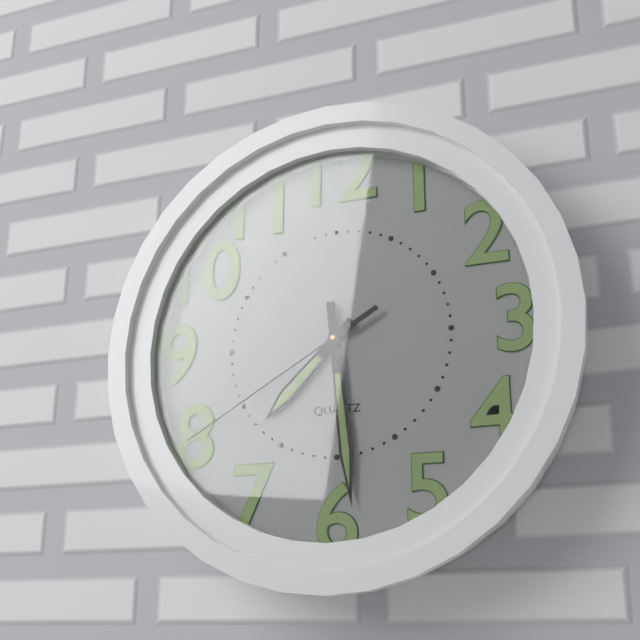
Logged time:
7h29m40s
